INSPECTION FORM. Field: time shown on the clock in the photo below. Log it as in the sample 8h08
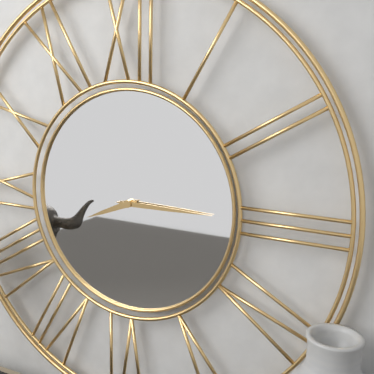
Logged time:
8h15
